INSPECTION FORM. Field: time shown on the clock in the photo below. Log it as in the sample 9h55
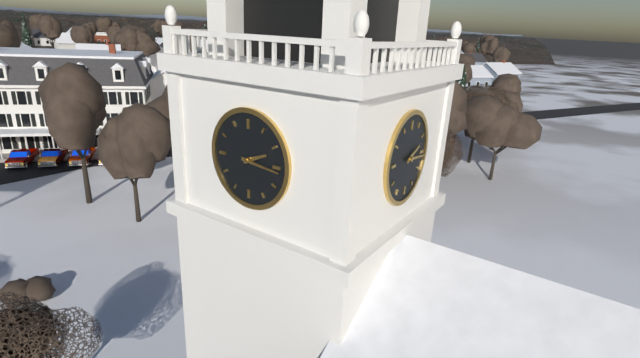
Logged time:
2h16
